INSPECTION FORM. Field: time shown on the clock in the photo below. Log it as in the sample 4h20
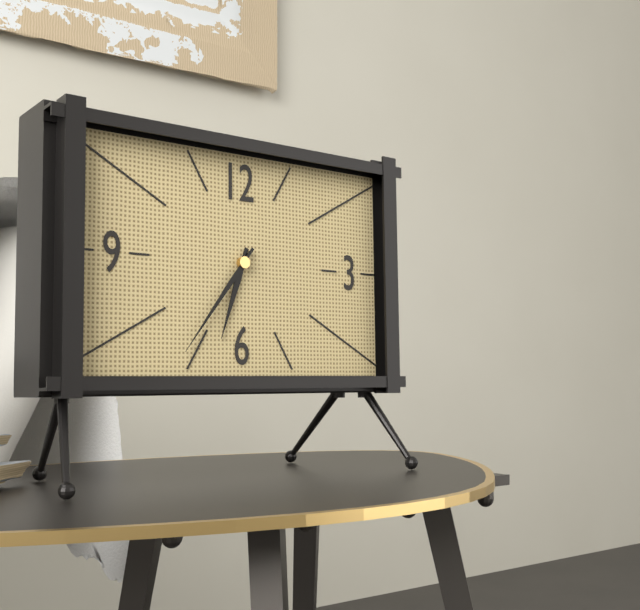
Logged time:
6h36
